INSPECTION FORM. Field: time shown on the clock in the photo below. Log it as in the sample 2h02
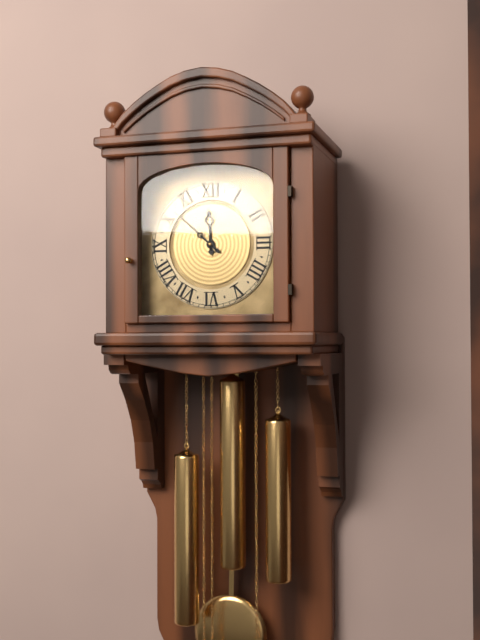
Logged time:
11h52
